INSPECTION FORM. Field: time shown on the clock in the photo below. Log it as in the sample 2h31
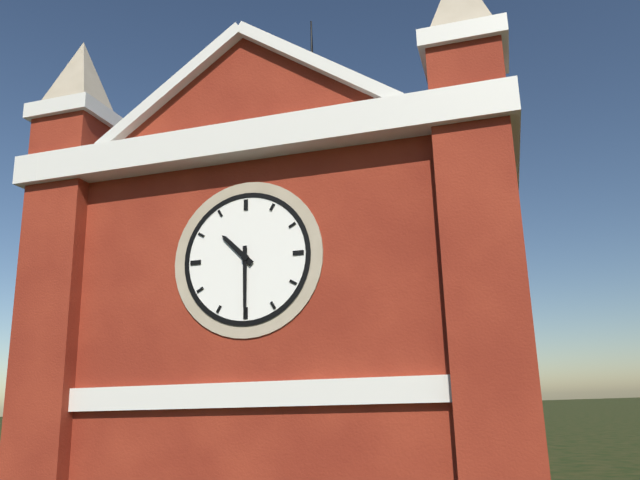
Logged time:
10h30
